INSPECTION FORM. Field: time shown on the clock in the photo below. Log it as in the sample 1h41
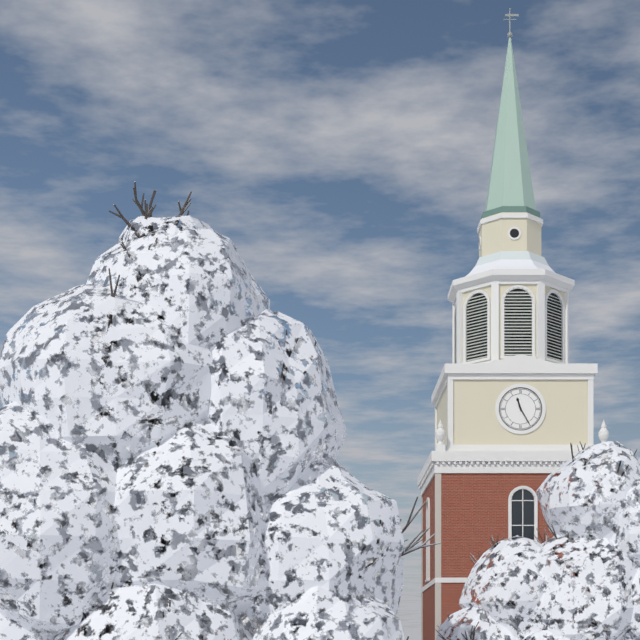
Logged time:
11h25
